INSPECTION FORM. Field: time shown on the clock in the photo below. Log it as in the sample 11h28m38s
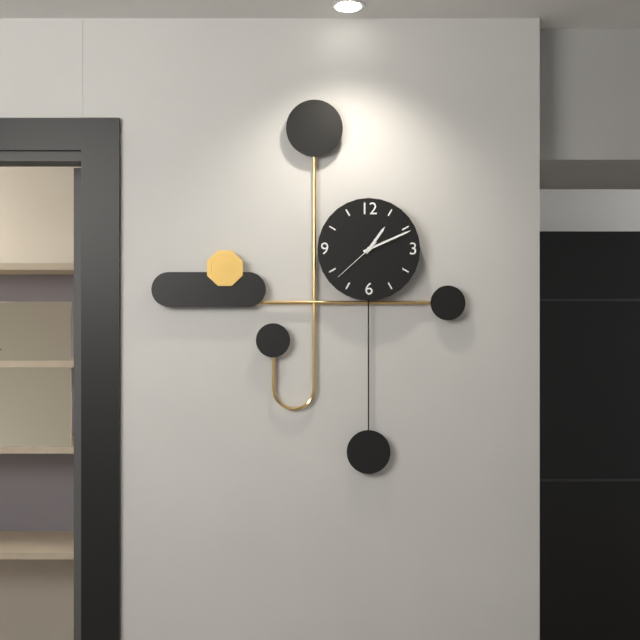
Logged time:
1h11m38s
